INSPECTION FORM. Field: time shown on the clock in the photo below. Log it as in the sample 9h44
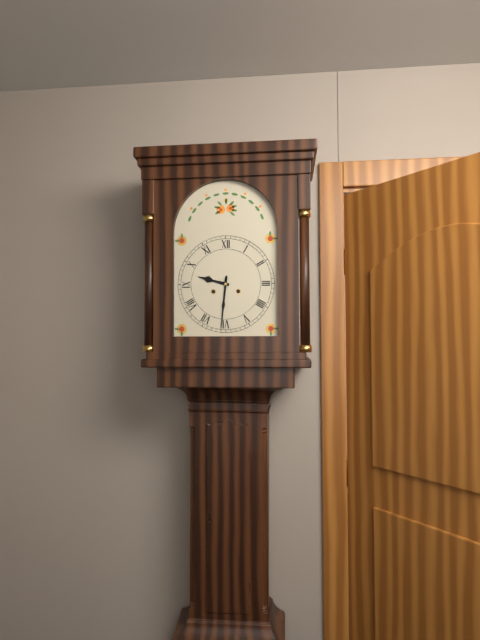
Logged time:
9h31
